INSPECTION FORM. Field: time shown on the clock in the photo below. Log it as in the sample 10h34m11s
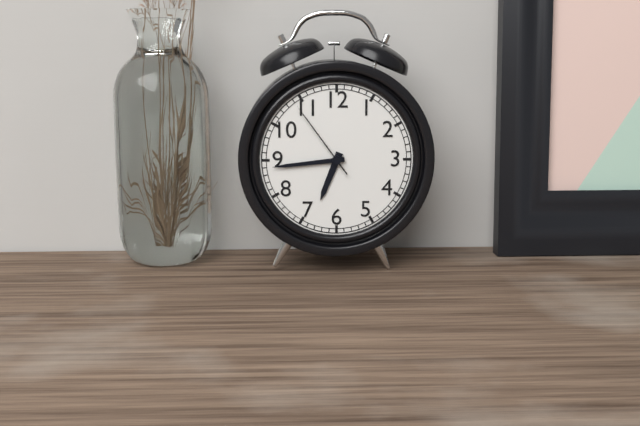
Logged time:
6h44m54s
